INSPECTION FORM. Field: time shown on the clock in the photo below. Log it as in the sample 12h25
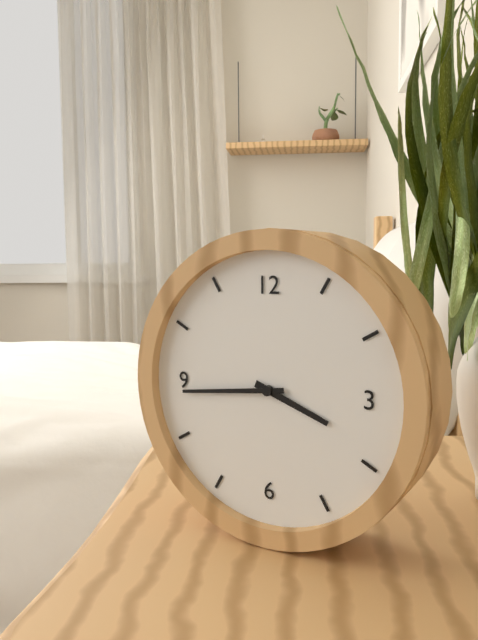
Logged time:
3h44
